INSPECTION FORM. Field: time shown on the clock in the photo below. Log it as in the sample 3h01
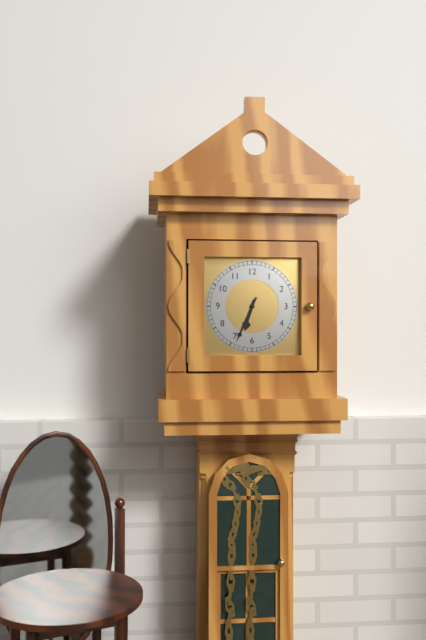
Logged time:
6h34
